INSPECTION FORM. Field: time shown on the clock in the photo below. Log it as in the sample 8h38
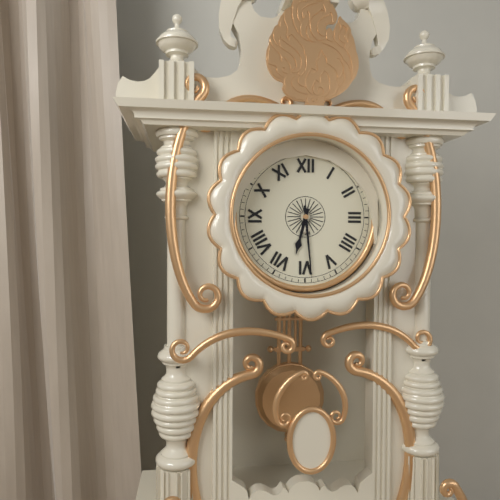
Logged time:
6h29
